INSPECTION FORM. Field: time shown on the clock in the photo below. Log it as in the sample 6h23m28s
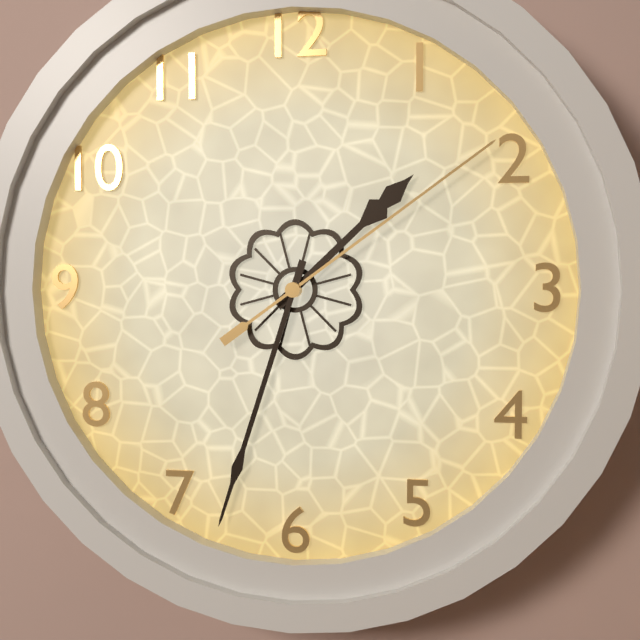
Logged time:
1h33m09s
